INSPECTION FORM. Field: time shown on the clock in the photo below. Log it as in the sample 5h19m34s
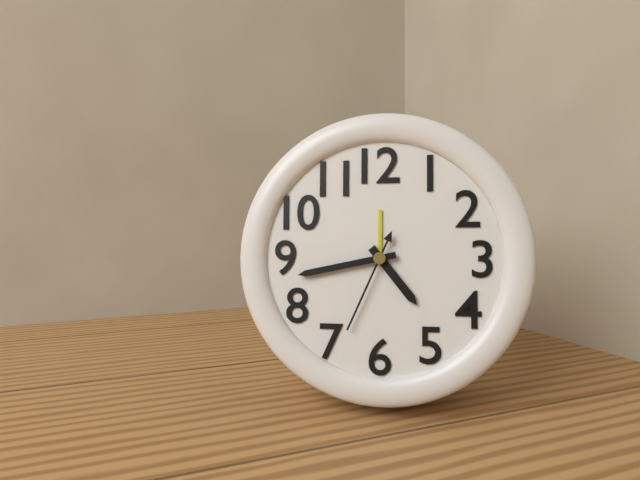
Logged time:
4h43m34s
